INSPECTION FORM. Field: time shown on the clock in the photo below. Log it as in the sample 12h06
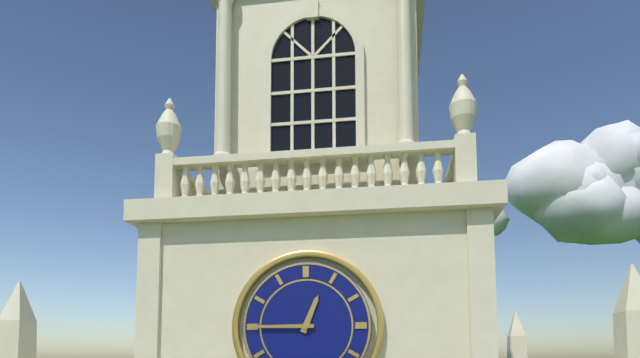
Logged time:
12h45
